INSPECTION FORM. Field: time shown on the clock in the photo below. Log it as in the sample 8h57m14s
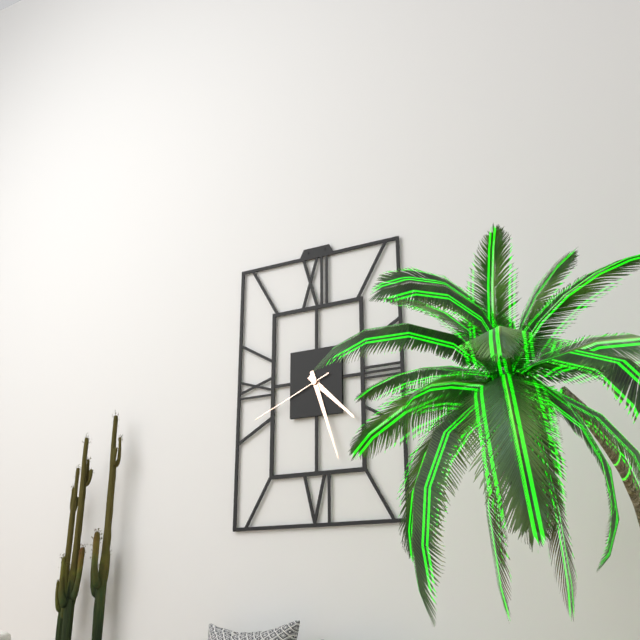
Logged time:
4h27m41s
